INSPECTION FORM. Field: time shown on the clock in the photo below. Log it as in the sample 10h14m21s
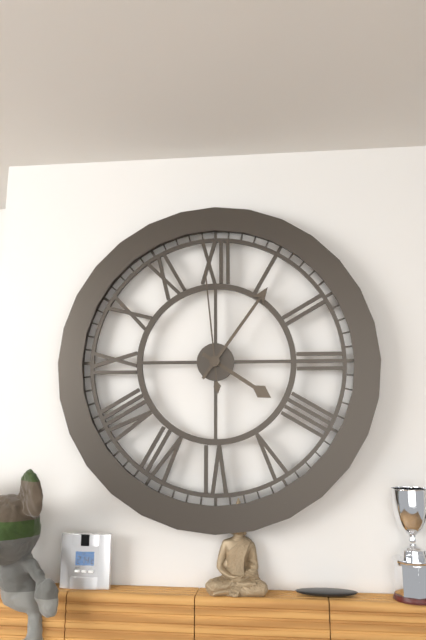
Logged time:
4h06m59s
